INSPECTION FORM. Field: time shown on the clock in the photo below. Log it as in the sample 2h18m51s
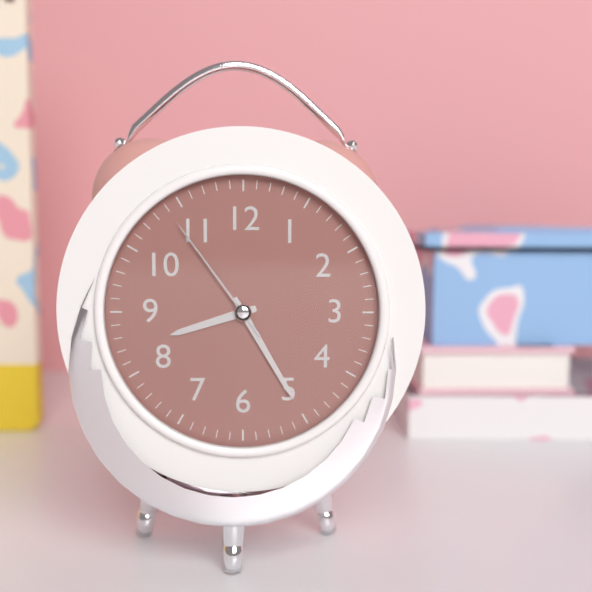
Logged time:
8h25m54s
